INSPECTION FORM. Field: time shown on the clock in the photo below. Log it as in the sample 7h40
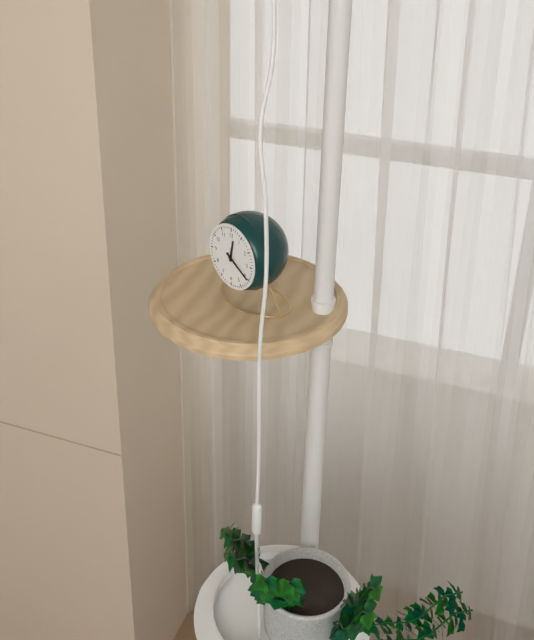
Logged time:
12h20
